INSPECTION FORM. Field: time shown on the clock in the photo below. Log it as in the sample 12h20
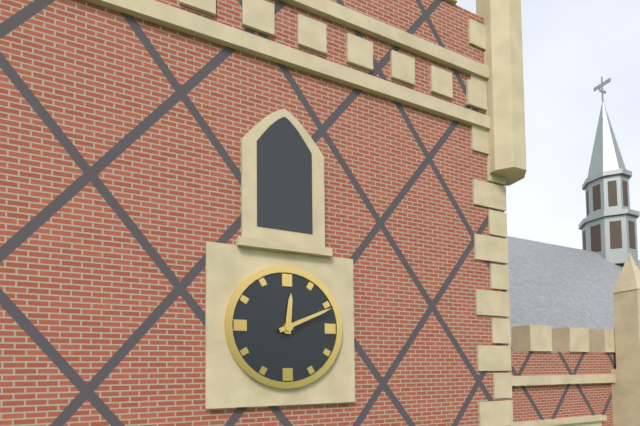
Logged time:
12h11
